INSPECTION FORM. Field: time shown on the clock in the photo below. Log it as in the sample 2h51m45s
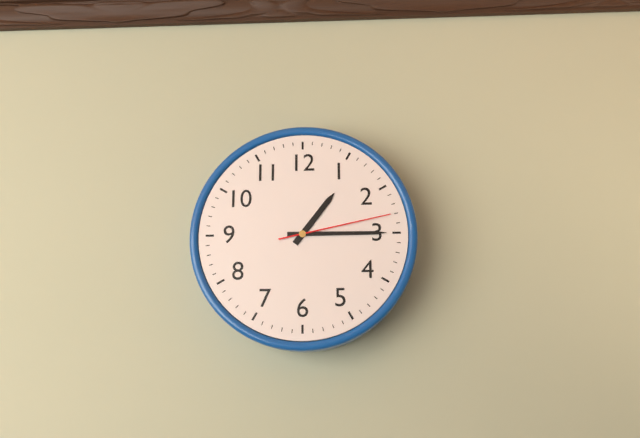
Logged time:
1h15m13s
